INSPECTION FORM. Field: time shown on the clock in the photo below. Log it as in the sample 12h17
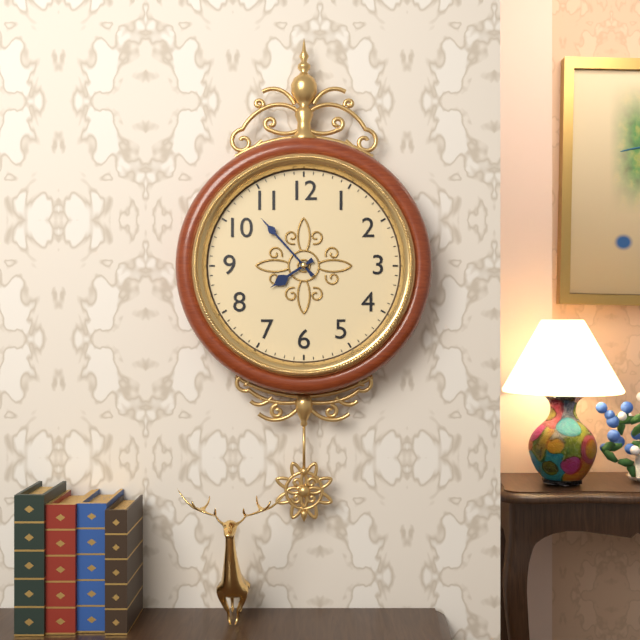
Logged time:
7h53
